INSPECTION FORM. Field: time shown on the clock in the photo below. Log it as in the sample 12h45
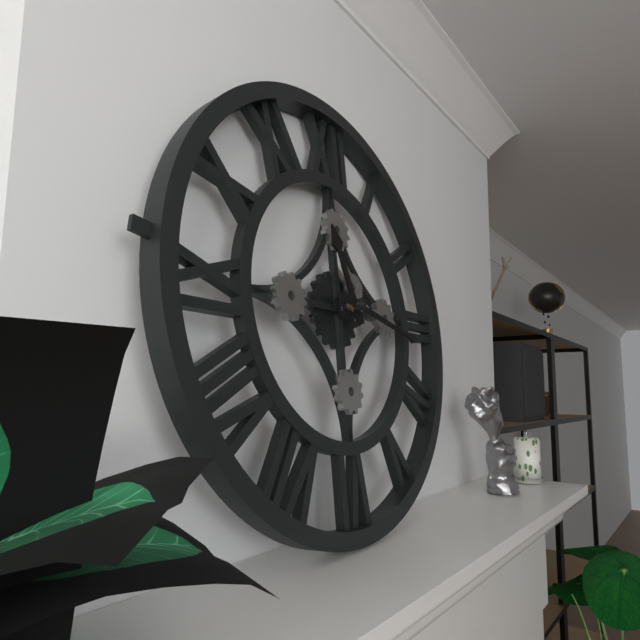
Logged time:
11h17
